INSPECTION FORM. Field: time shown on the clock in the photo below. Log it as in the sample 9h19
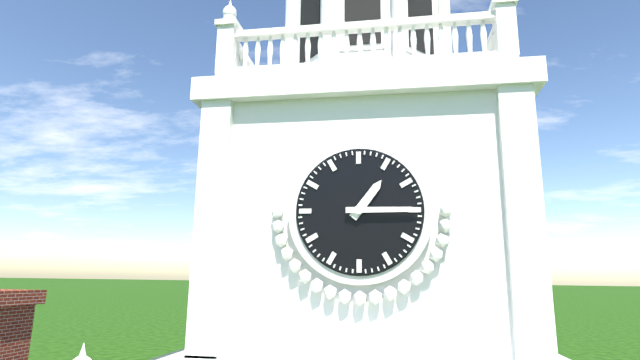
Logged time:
1h15
